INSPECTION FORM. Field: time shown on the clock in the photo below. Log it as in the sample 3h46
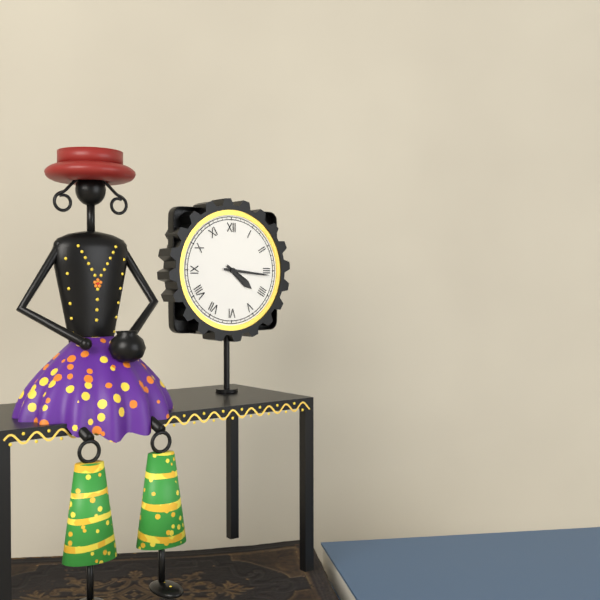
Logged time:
4h16
